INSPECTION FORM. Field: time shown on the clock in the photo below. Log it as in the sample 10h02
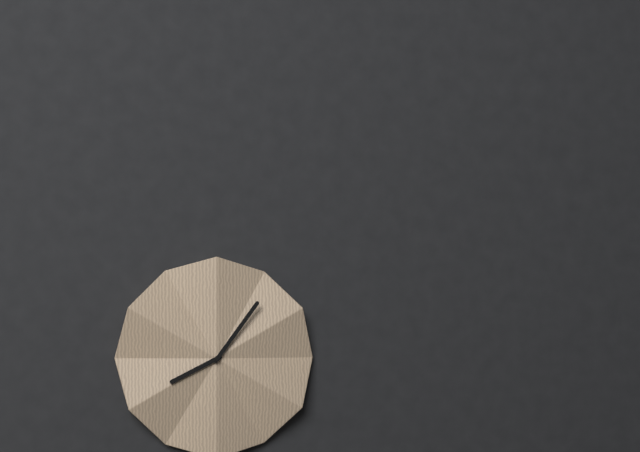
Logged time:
8h06
